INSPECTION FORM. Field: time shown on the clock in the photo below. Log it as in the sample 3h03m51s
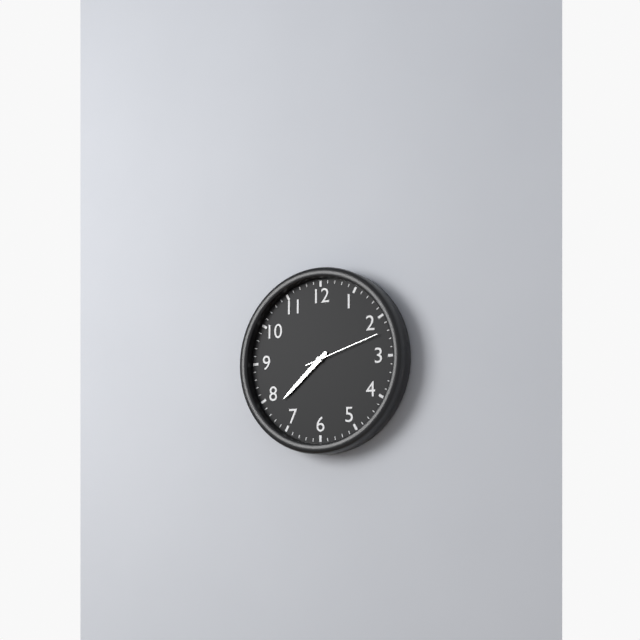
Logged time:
7h38m12s
